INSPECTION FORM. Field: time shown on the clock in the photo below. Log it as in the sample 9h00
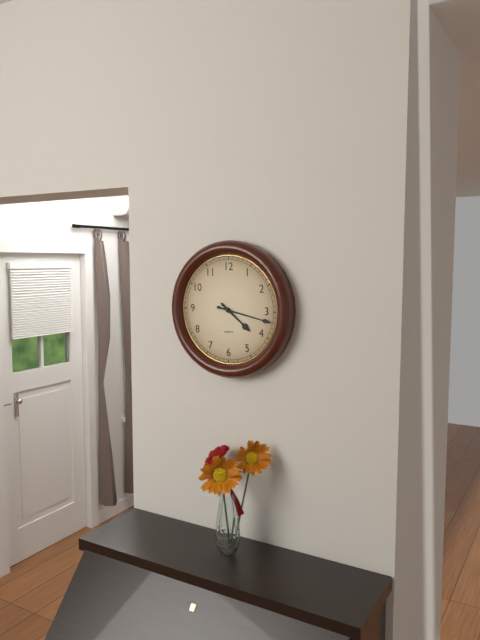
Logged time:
4h17
